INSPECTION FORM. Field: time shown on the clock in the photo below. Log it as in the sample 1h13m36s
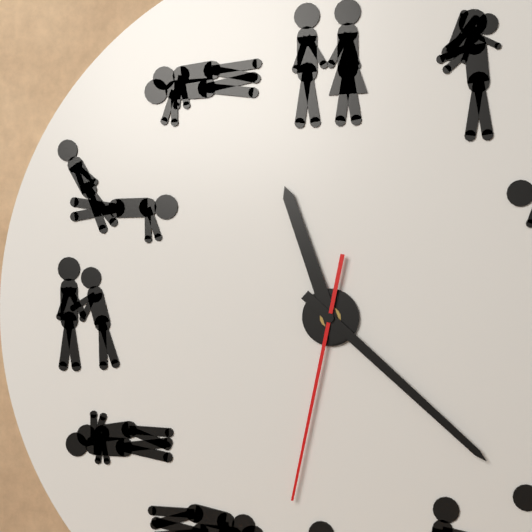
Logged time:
11h22m32s
